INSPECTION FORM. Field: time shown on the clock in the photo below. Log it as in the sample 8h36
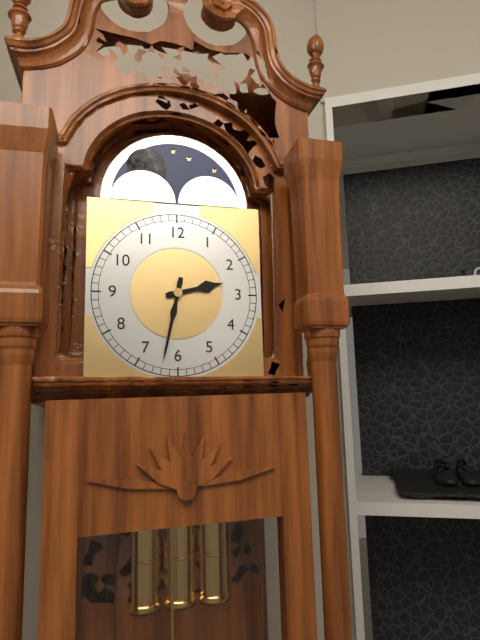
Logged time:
2h32
